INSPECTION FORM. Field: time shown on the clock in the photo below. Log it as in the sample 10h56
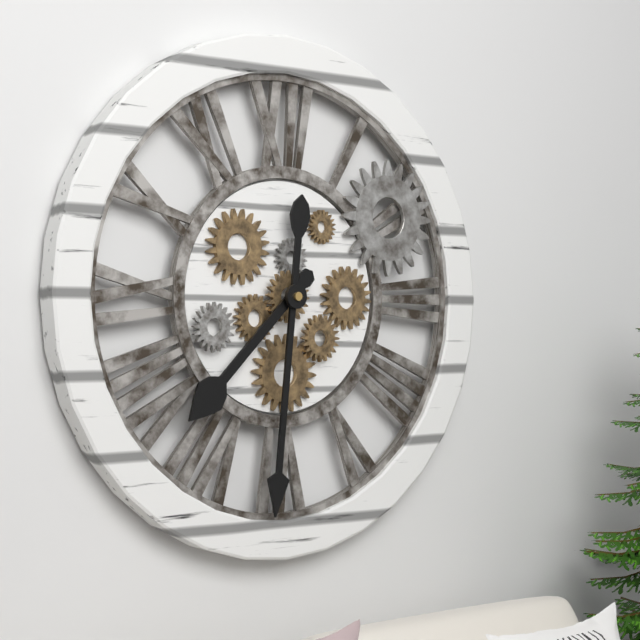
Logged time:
7h31
